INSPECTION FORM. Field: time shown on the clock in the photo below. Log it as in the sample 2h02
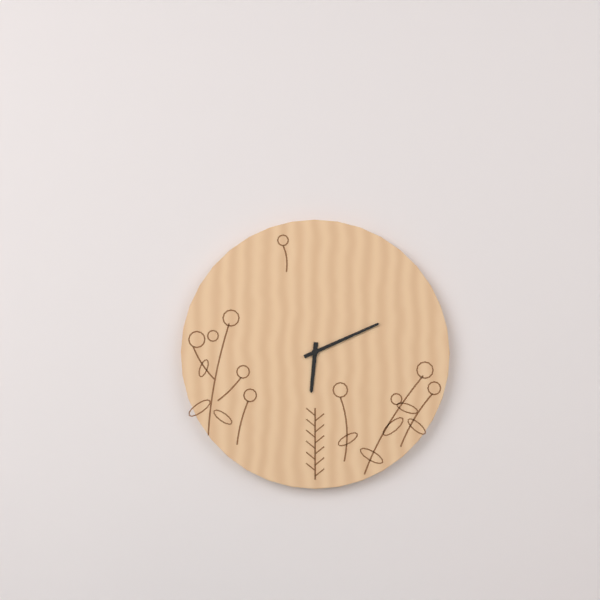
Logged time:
6h11
